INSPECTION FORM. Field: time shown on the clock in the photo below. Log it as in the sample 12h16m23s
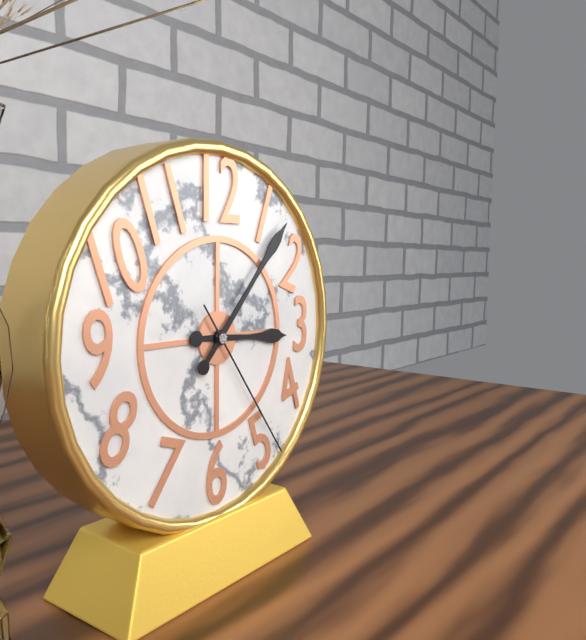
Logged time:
3h07m24s
